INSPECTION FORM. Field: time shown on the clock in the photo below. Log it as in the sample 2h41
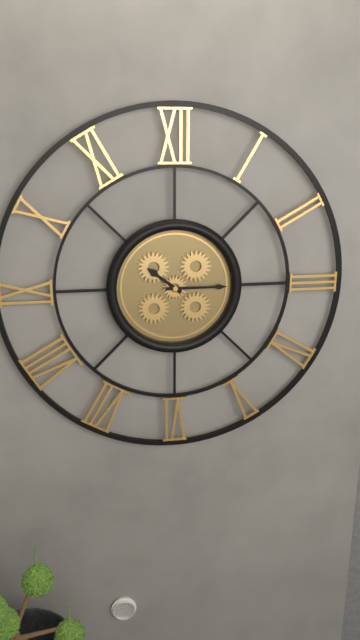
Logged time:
10h15
